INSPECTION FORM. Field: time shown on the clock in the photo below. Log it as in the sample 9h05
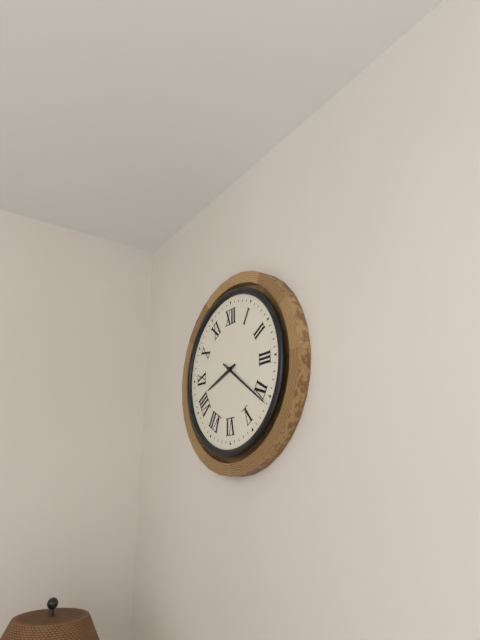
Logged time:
8h21
